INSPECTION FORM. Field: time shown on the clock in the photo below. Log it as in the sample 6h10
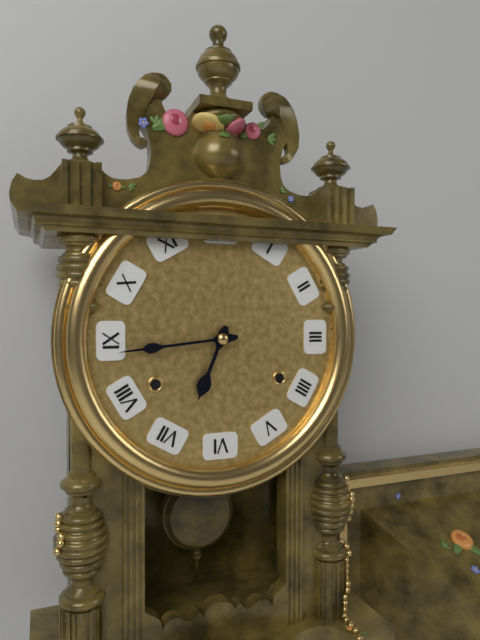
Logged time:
6h44
